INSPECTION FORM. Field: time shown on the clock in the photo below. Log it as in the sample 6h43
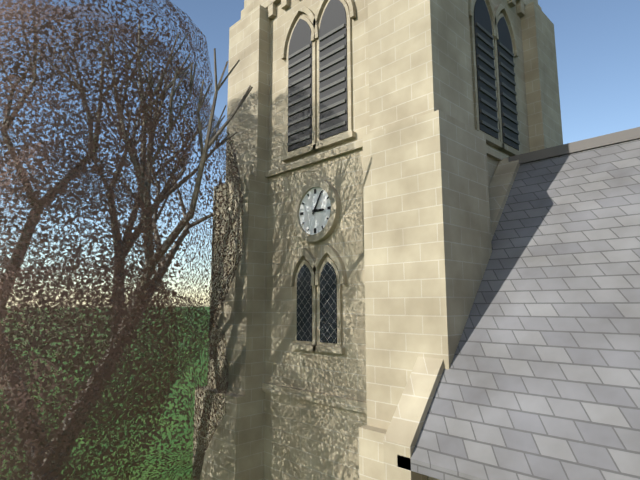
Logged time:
3h05
